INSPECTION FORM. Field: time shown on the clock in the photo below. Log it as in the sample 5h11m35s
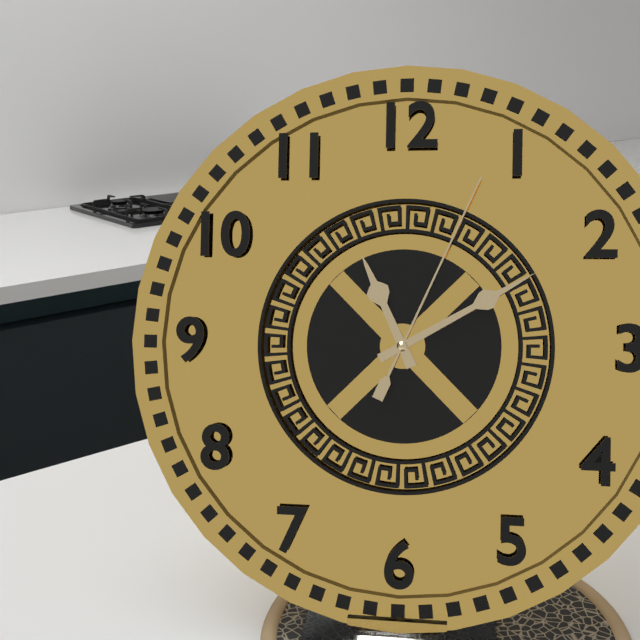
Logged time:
11h10m04s
